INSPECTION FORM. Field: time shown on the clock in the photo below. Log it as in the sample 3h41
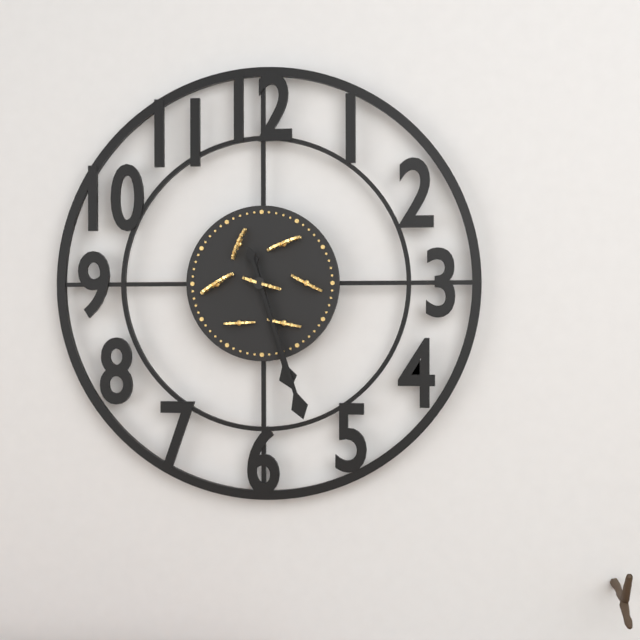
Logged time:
5h27
